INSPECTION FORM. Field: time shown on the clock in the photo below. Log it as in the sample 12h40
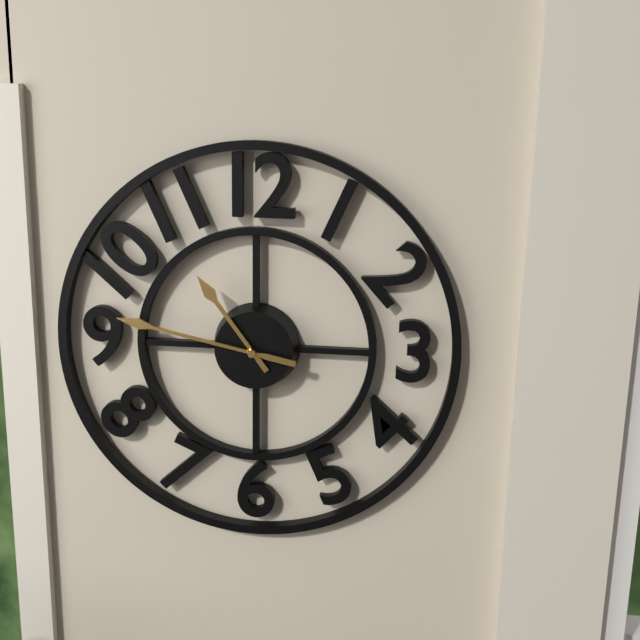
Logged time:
10h47
